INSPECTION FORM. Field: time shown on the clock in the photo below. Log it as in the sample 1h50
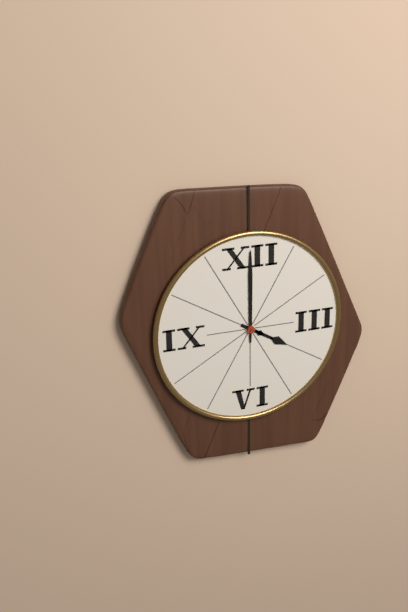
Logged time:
4h00
